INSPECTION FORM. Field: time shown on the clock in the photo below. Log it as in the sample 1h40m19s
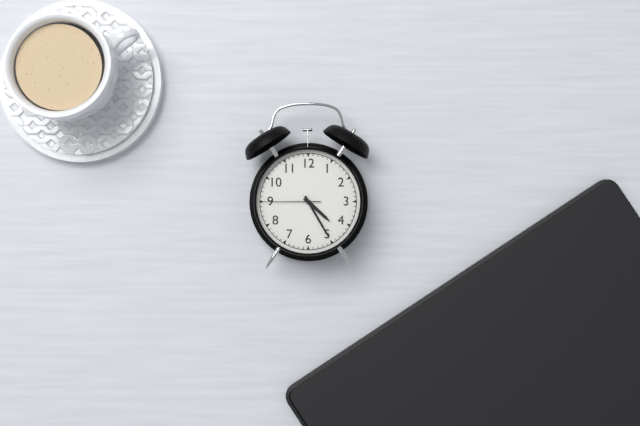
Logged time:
4h25m45s
